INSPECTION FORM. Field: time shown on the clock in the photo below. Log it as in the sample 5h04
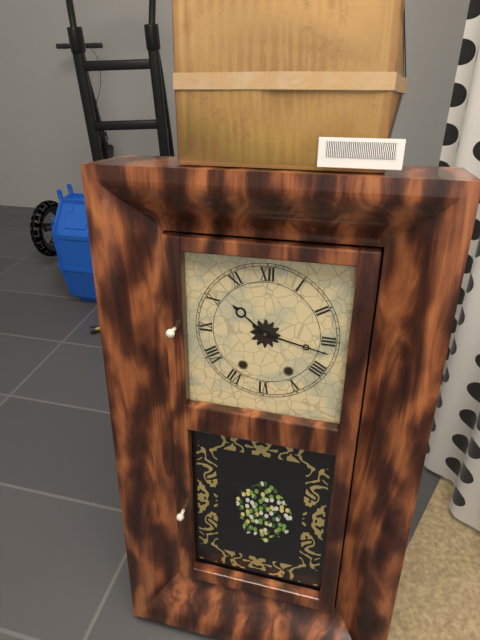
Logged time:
10h17
